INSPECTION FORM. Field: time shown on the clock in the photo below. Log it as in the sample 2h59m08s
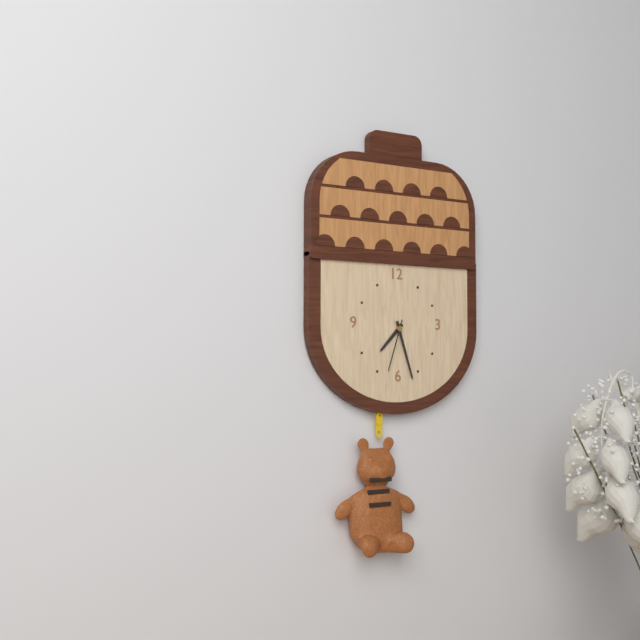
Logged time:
7h27m33s
